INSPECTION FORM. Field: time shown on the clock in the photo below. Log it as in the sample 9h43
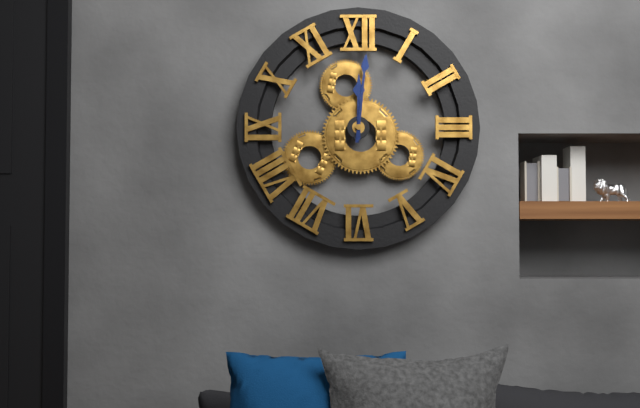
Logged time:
12h01
